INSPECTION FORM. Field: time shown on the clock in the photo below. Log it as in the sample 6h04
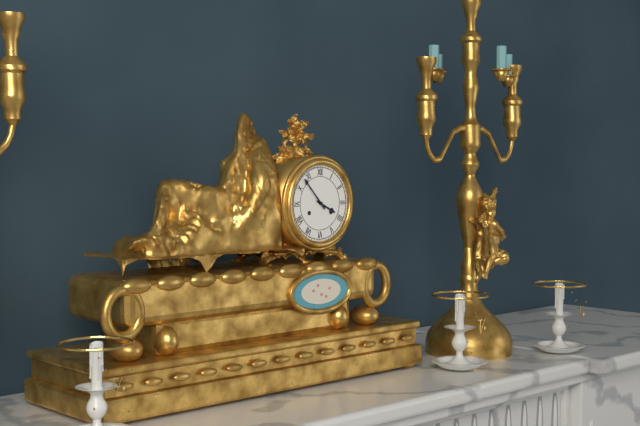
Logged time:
3h53
